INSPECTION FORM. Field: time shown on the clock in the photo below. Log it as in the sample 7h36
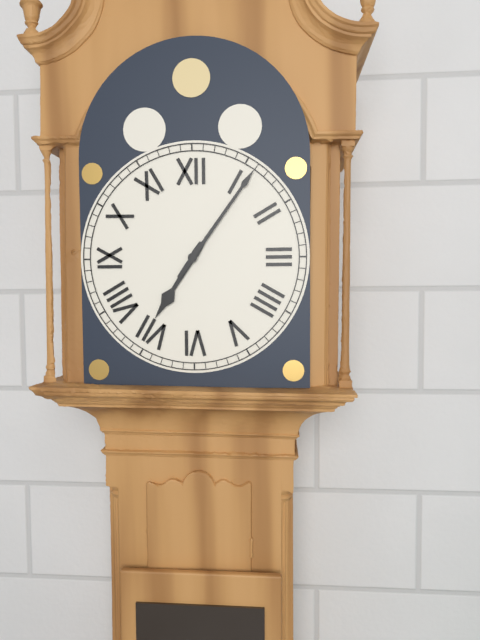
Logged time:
7h06
